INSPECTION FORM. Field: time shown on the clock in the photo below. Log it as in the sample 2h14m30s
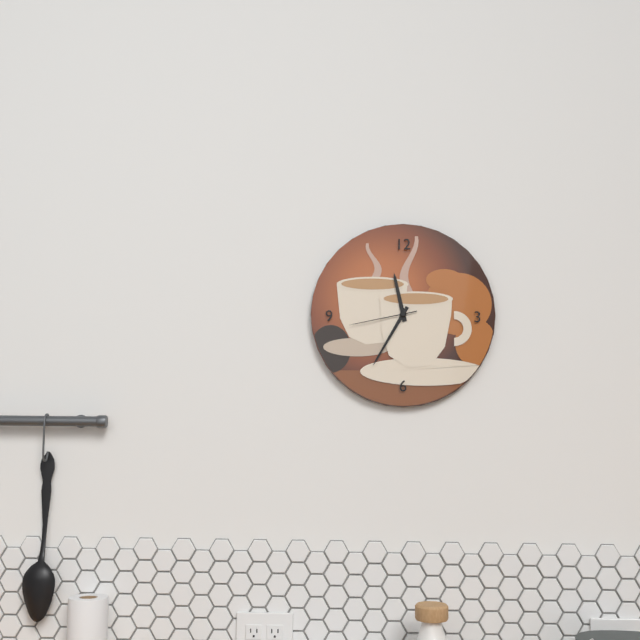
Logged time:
11h35m43s
